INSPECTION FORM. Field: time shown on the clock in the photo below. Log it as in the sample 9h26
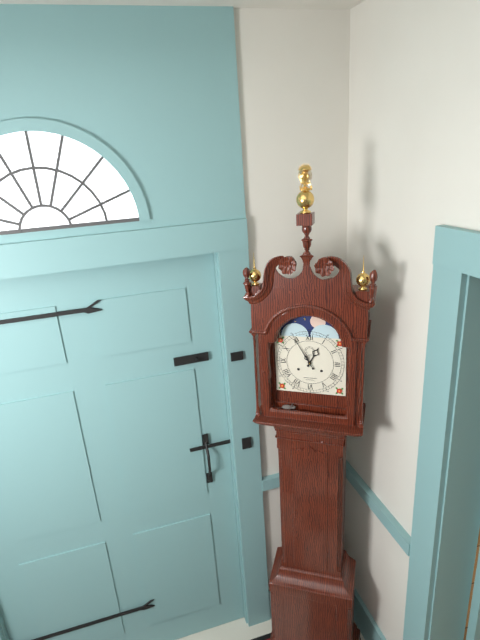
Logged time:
12h55
